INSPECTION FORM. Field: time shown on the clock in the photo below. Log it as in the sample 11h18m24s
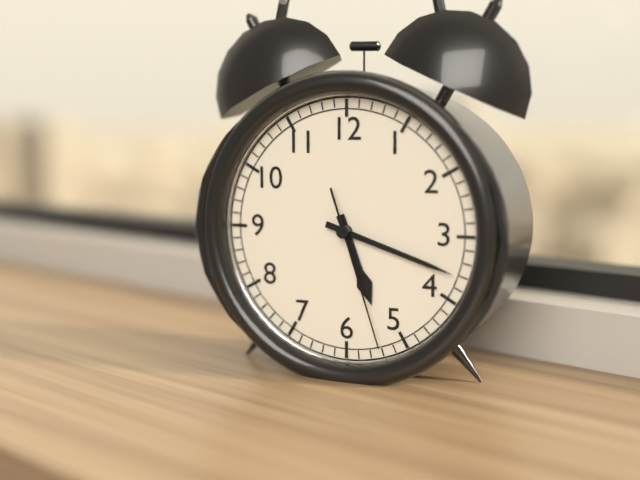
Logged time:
5h18m27s
